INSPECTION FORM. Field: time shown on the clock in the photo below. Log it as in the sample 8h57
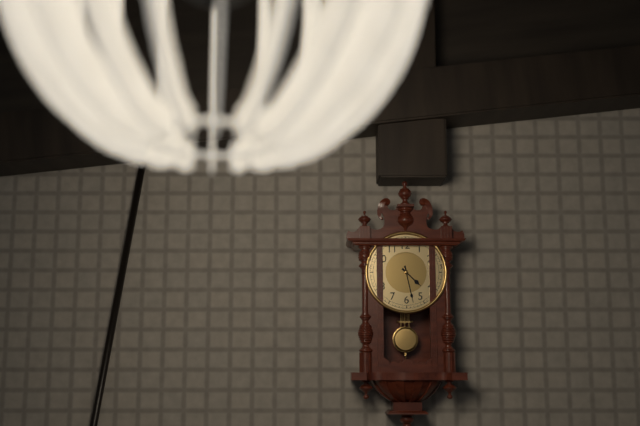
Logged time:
4h28
